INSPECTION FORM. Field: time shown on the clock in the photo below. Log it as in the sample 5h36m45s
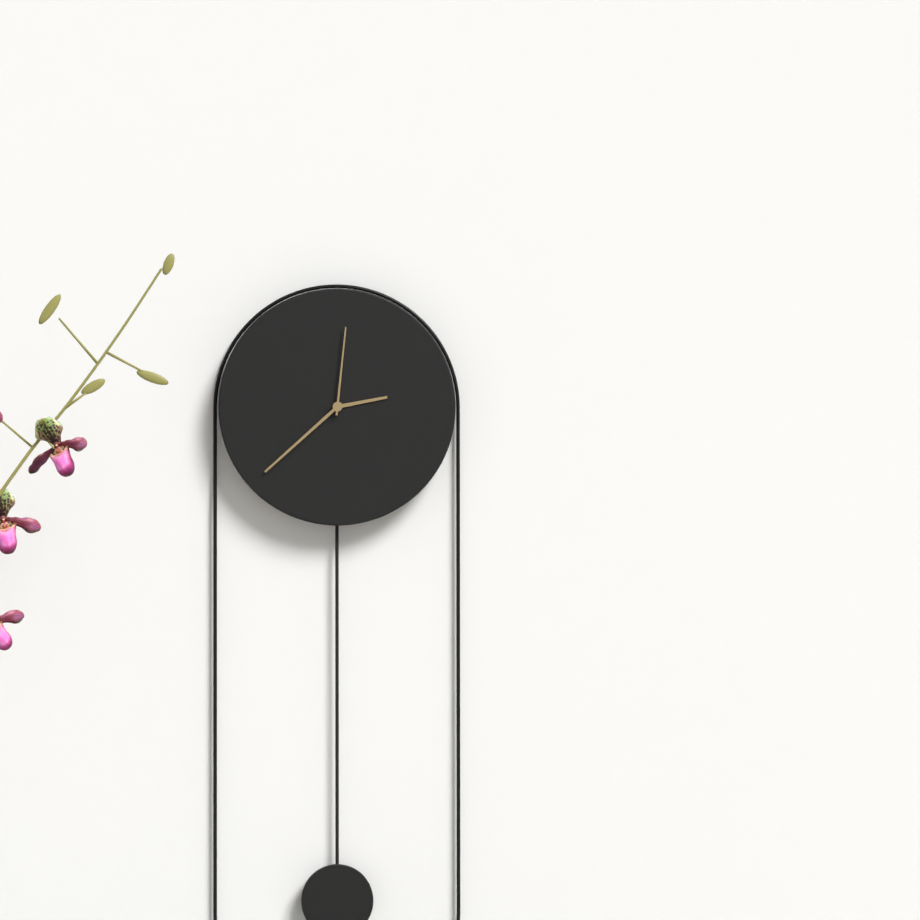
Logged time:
2h38m01s
